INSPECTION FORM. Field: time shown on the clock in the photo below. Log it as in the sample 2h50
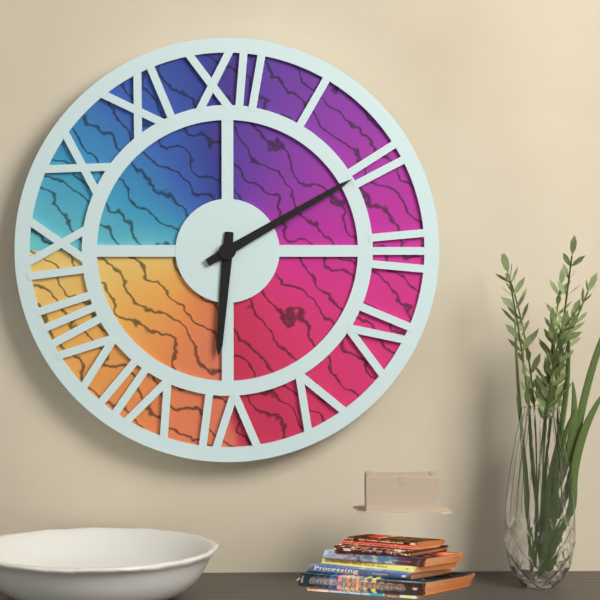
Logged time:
6h10
